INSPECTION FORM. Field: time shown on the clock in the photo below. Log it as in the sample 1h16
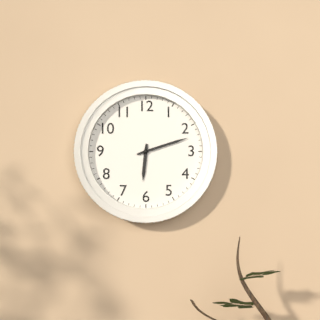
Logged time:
6h12
